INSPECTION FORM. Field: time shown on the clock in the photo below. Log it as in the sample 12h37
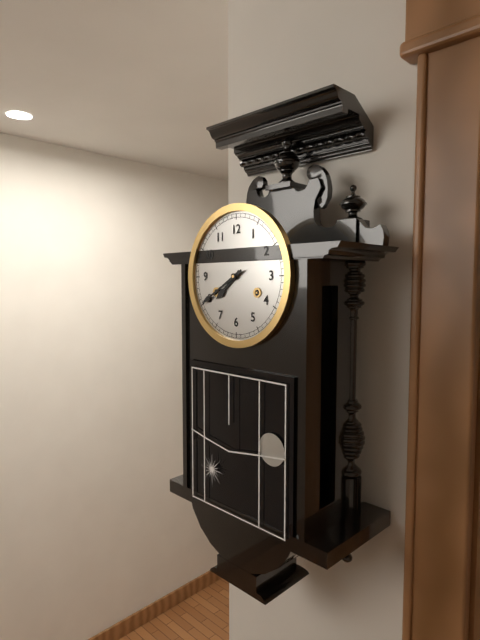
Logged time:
7h40
